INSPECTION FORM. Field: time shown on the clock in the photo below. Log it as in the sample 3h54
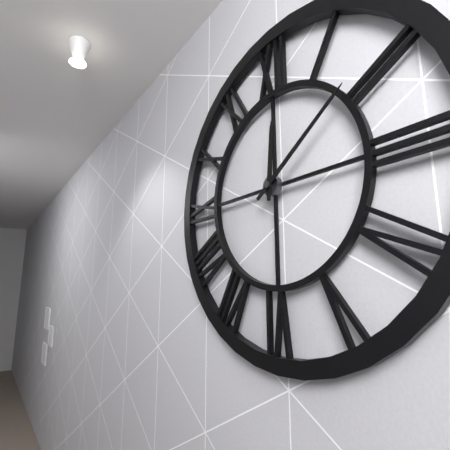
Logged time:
12h09
